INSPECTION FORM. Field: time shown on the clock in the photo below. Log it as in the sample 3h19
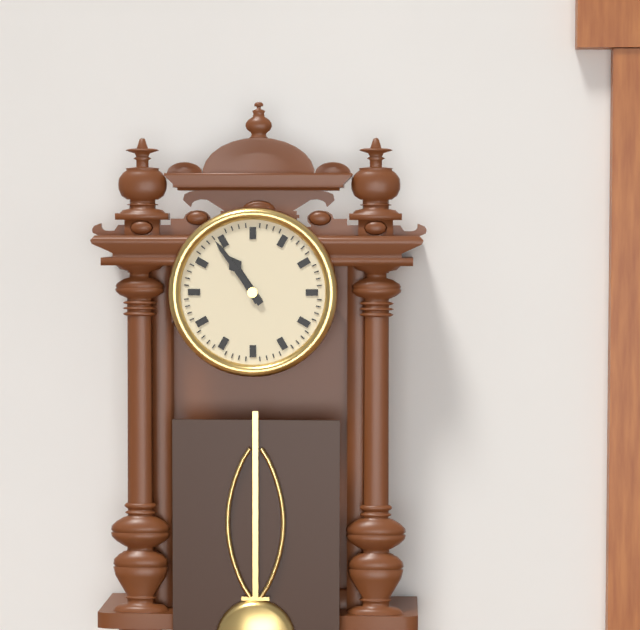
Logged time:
10h54
